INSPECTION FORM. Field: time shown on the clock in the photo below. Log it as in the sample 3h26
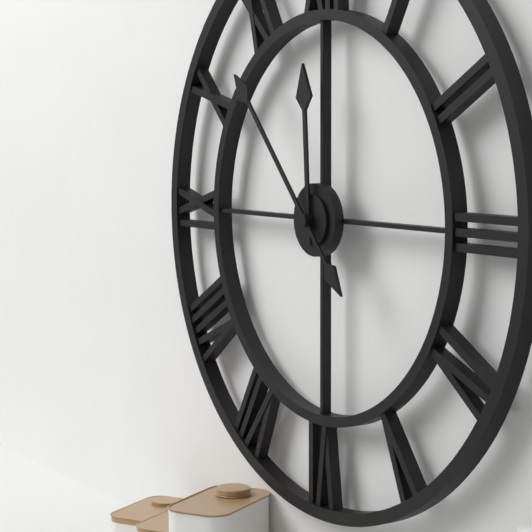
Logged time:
11h53
